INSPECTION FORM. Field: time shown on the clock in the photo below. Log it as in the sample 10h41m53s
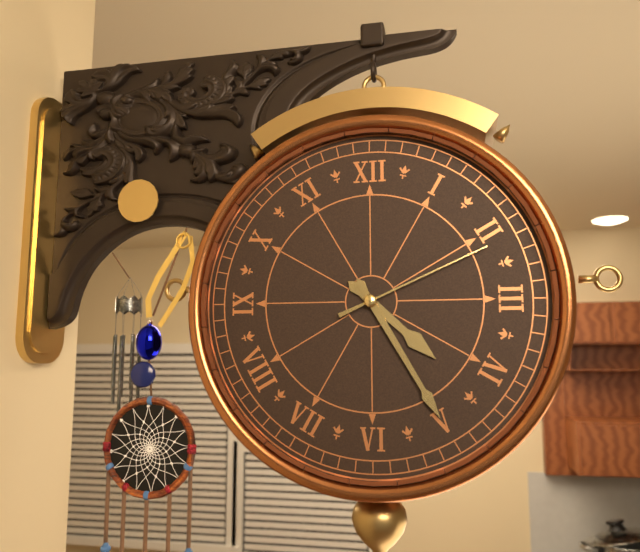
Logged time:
4h25m11s
